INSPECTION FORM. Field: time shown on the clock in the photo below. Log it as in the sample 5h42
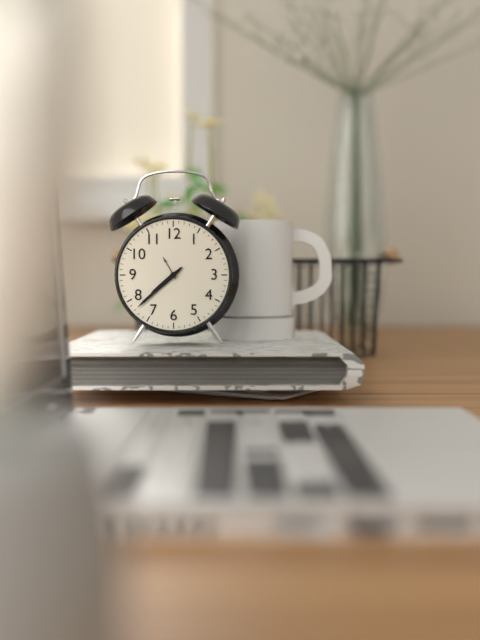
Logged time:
7h38
